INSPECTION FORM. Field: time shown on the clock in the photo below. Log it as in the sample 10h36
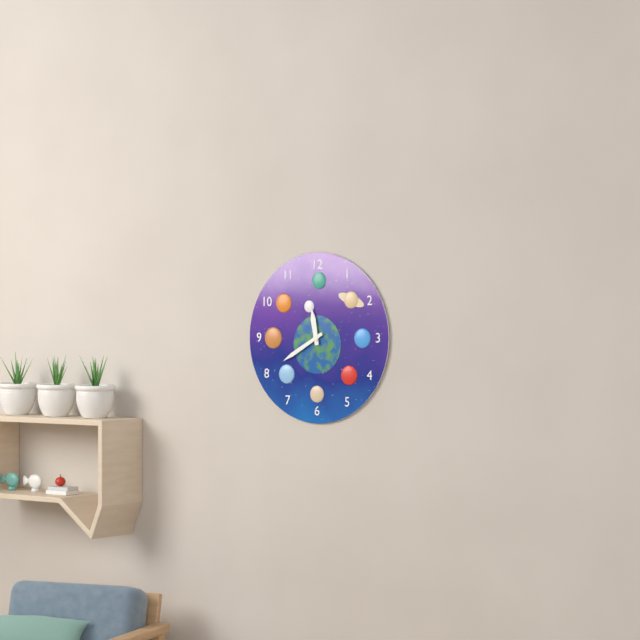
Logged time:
11h40
